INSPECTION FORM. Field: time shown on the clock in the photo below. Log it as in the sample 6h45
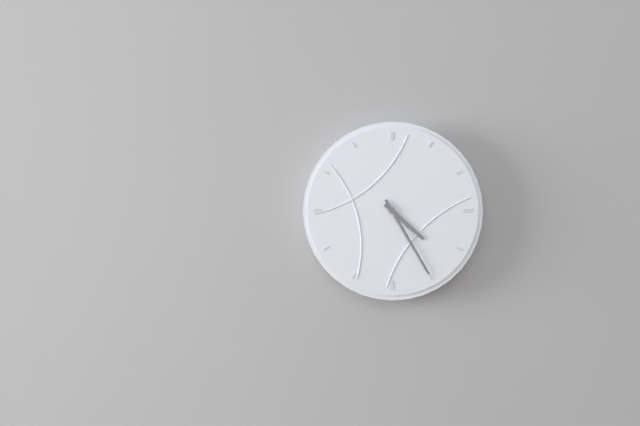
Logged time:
4h25
